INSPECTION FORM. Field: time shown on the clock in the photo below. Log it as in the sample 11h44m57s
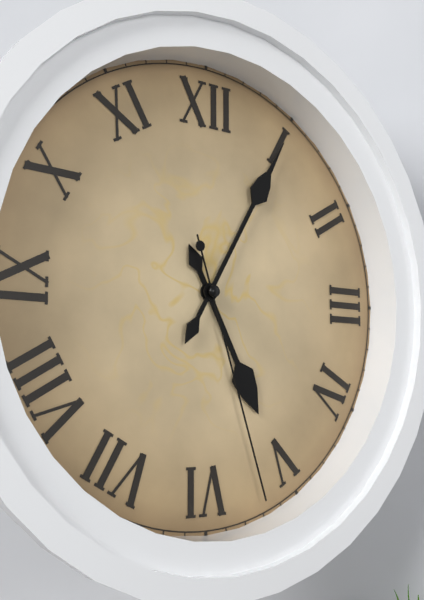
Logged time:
5h05m27s
